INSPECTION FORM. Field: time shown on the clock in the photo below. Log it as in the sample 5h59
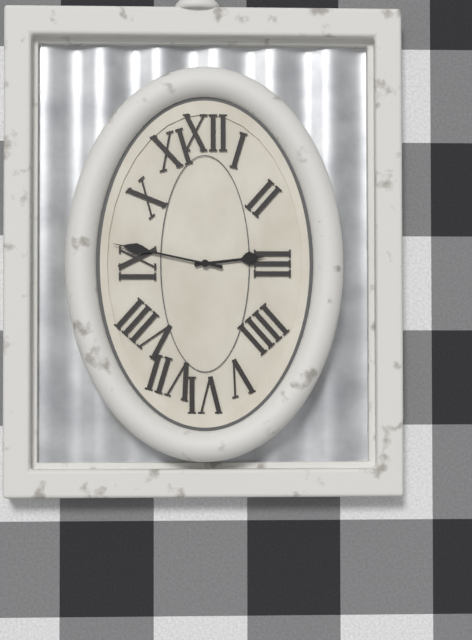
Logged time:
2h47
